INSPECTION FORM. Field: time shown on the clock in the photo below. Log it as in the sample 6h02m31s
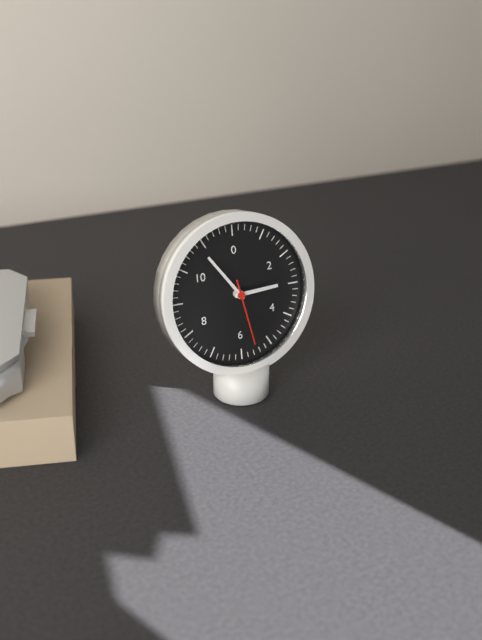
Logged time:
2h54m28s
